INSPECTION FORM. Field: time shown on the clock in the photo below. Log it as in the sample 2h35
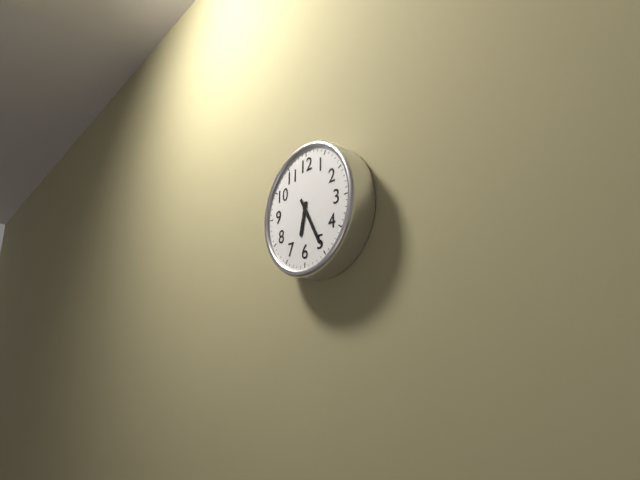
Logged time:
6h25
